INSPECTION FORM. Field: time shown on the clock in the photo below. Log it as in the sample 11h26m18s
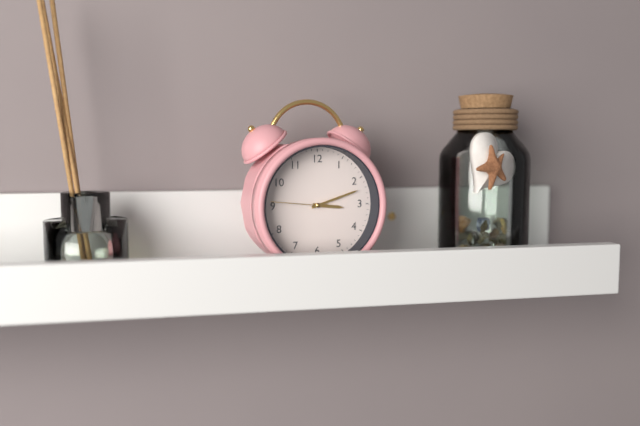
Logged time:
3h12m46s
